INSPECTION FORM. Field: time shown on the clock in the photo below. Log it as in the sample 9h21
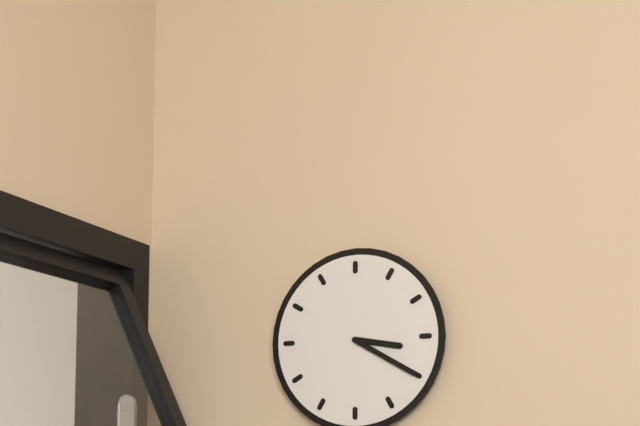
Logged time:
3h20
